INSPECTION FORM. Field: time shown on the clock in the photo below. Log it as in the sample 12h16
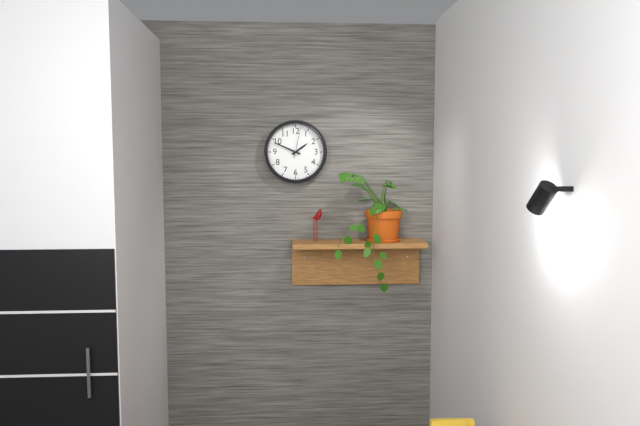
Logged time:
1h49
